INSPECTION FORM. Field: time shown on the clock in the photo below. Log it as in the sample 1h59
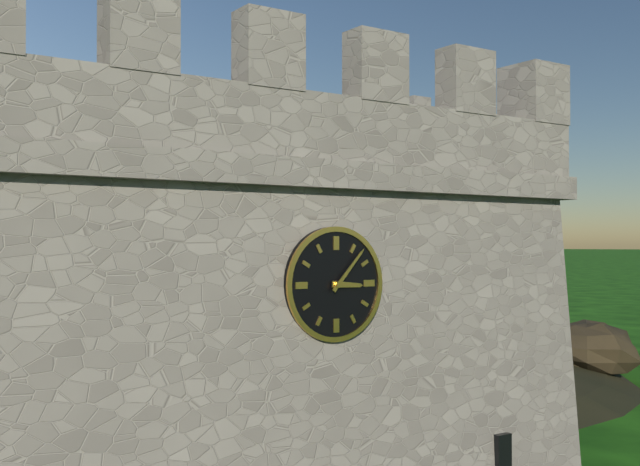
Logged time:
3h07
